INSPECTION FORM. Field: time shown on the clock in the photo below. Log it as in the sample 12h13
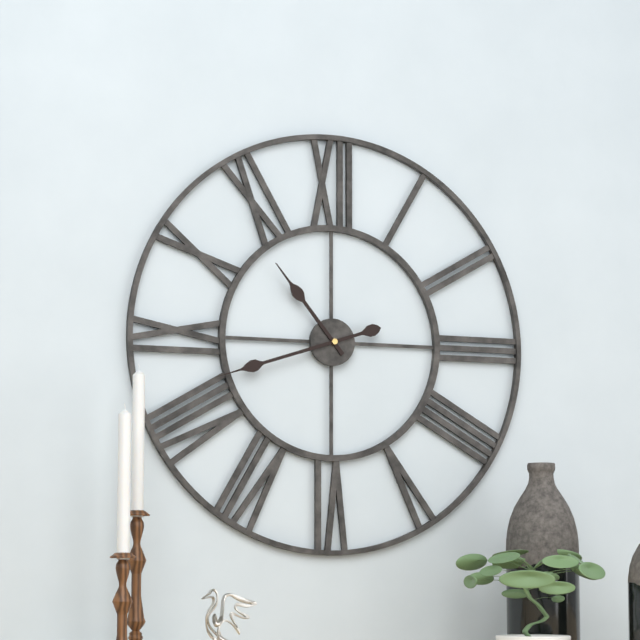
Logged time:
10h42
